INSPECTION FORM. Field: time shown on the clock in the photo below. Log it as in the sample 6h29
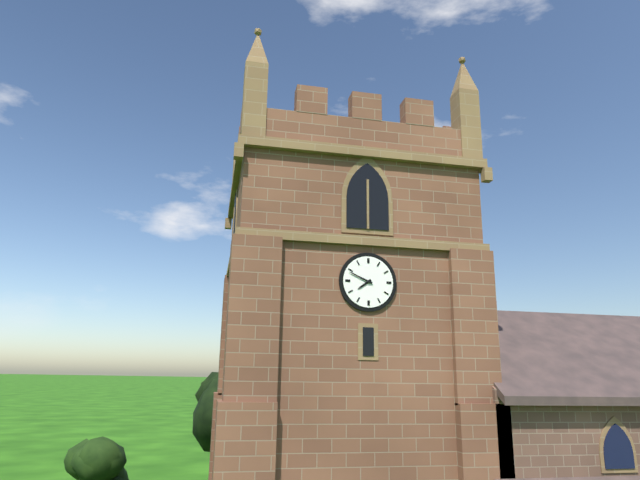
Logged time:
7h49
